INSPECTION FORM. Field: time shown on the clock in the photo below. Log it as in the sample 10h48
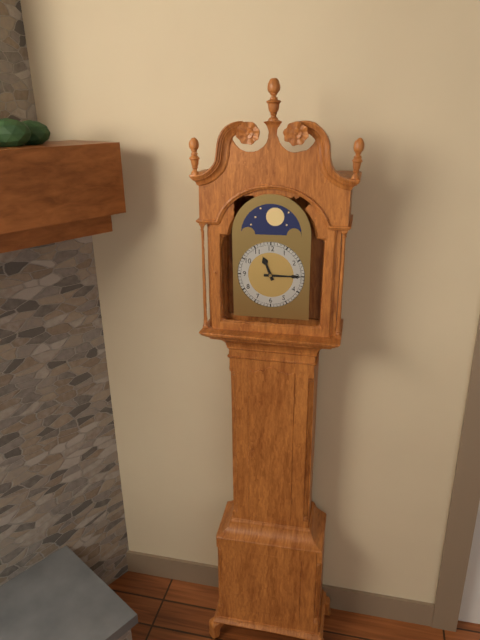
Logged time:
11h15
